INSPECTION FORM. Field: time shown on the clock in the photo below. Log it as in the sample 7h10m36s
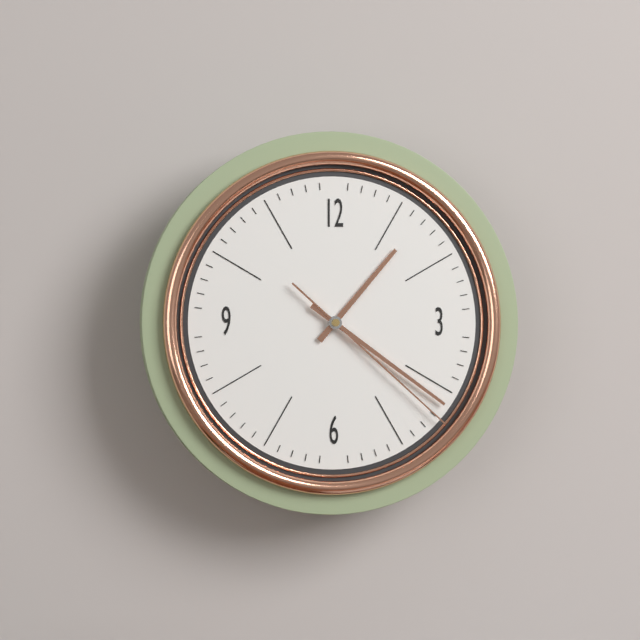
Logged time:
1h21m22s
